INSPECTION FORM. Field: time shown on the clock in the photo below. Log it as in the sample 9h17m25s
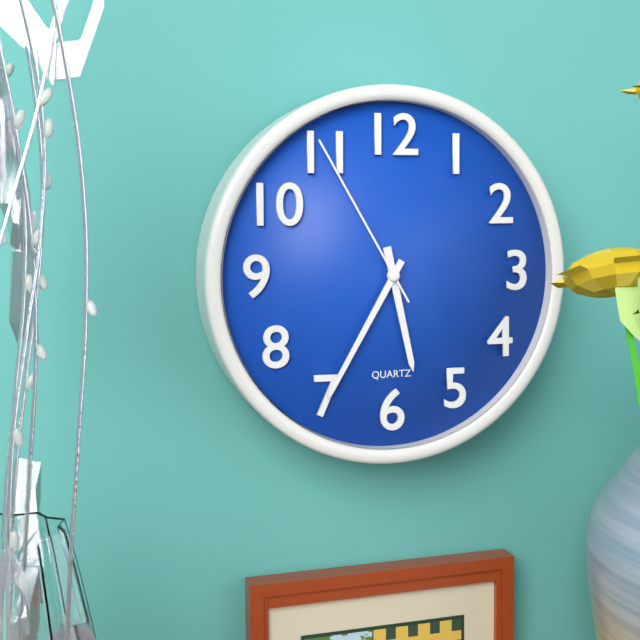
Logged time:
5h35m55s
